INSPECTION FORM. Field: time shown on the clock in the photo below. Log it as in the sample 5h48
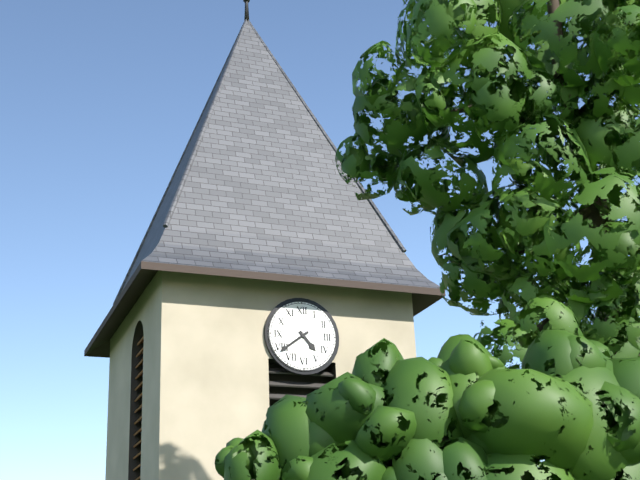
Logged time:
4h39
